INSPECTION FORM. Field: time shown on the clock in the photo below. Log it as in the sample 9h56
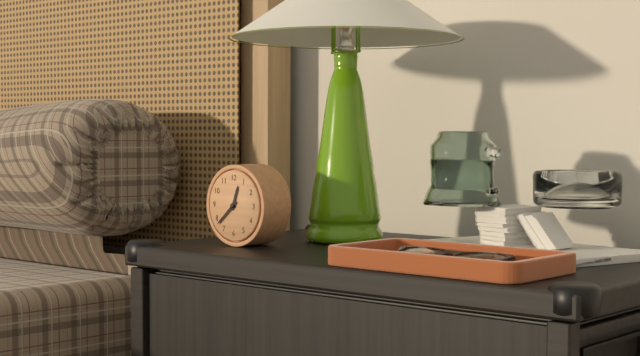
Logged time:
12h38
